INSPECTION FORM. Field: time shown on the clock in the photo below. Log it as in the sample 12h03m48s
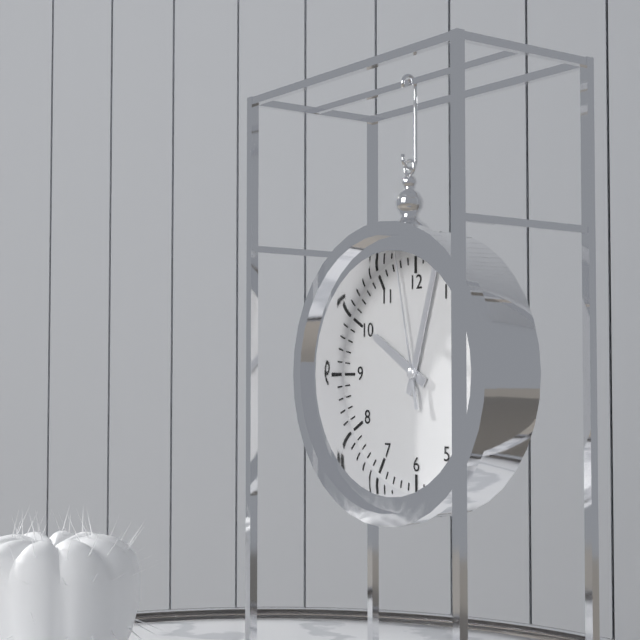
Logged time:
10h03m58s
